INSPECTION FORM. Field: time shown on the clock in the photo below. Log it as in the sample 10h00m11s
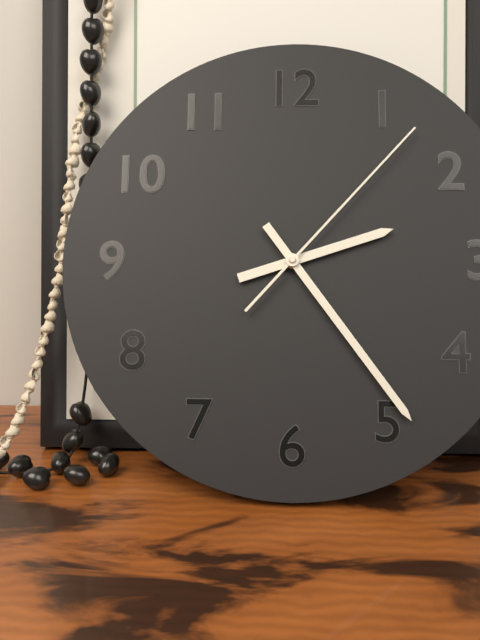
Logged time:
2h24m07s
